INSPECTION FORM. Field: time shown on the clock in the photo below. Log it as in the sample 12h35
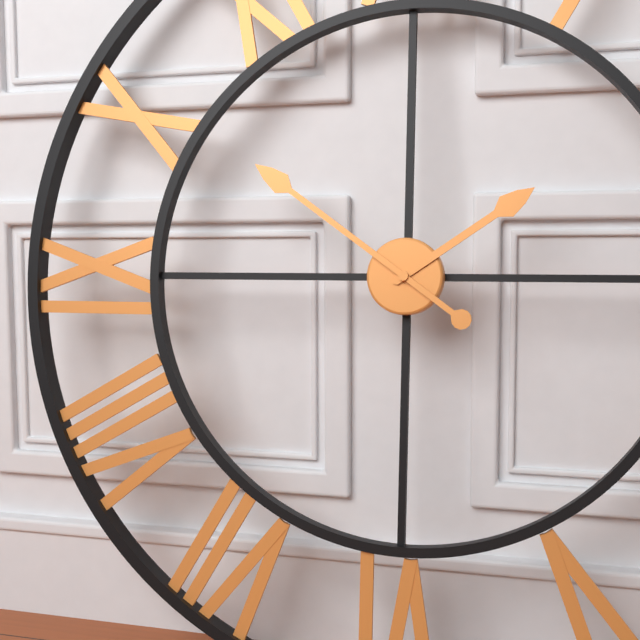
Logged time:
1h51
